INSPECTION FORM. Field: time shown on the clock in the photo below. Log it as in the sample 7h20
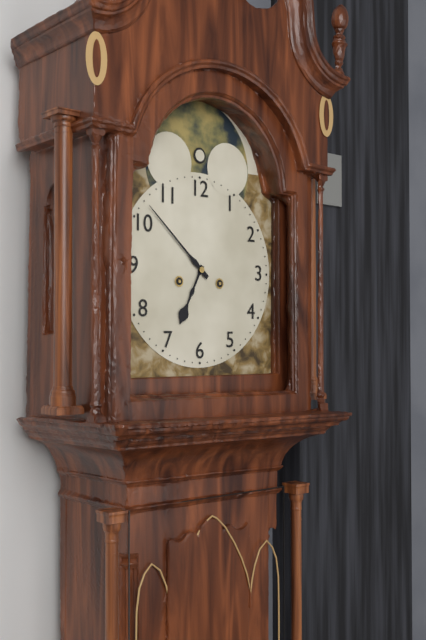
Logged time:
6h52
